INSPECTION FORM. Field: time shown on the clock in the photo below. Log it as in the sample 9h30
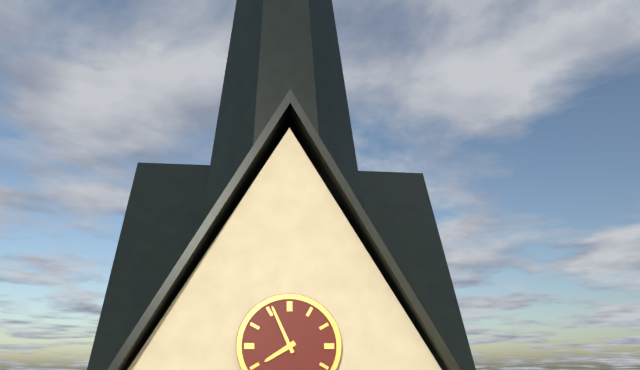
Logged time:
7h56
